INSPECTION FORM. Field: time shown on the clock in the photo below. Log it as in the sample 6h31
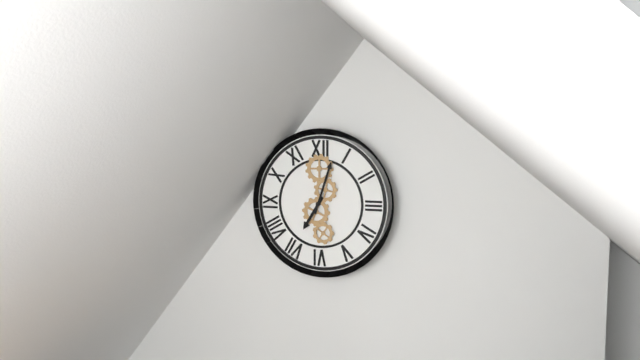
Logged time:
7h03
